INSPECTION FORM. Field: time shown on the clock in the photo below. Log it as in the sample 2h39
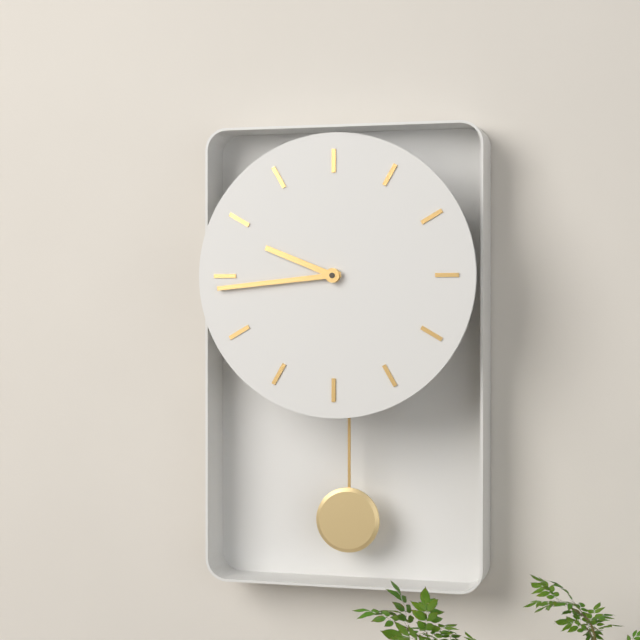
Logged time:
9h44
